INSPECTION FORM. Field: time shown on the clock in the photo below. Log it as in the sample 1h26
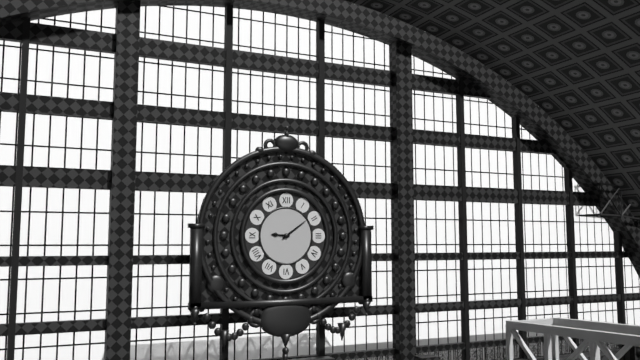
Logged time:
9h09
